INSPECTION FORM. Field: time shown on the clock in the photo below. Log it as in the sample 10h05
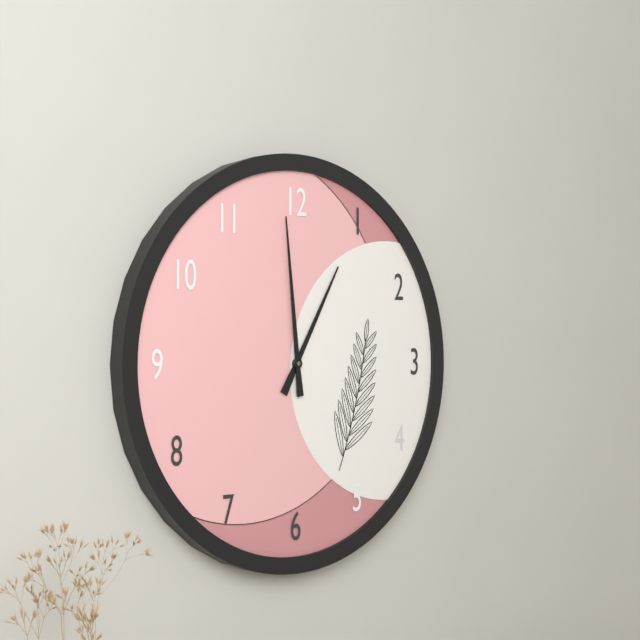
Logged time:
12h59
